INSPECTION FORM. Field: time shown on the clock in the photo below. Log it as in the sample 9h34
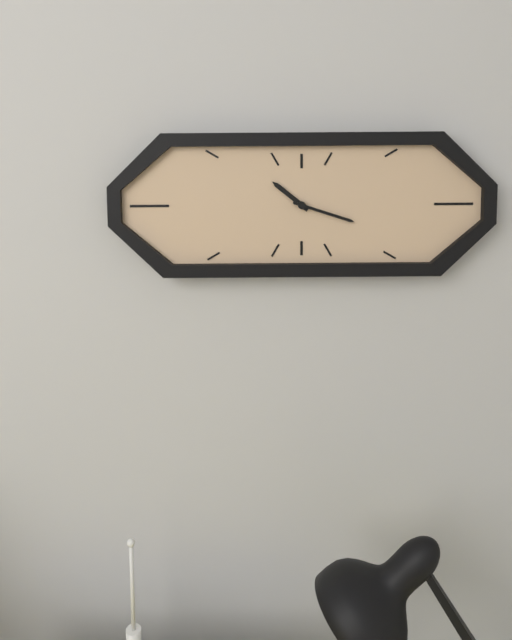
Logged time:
10h18
